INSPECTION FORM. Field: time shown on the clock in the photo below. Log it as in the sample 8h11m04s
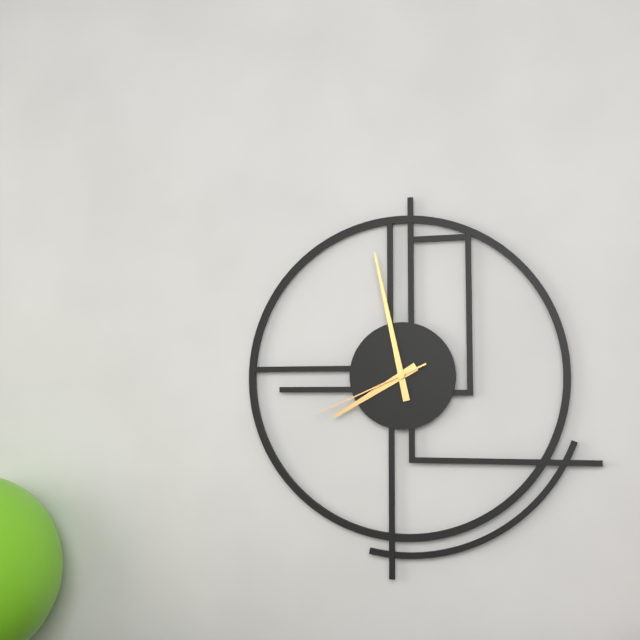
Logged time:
7h58m41s
